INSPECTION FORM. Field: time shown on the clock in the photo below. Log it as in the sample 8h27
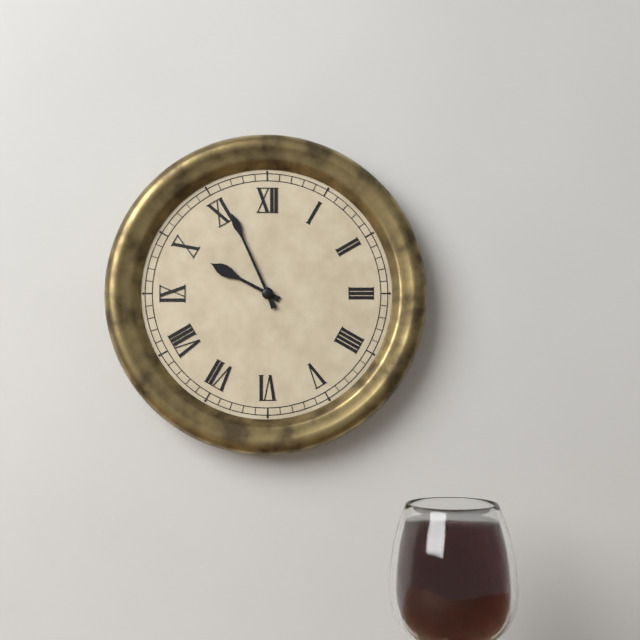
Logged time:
9h56
